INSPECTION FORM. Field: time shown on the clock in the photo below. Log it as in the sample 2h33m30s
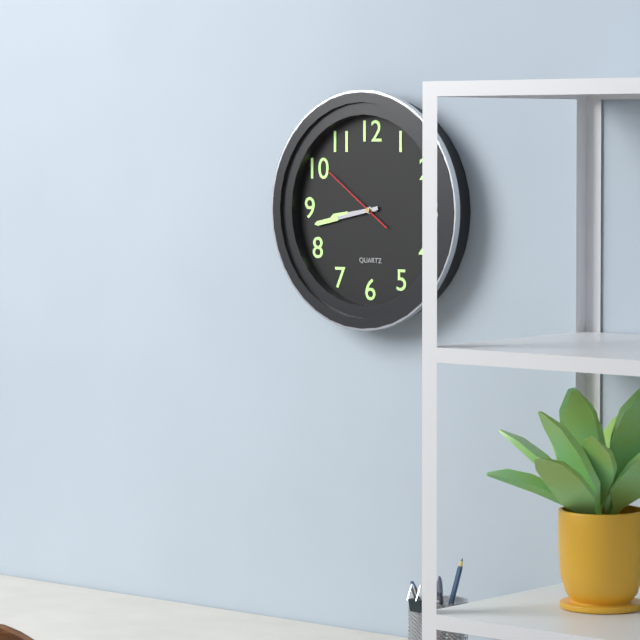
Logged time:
8h43m51s
